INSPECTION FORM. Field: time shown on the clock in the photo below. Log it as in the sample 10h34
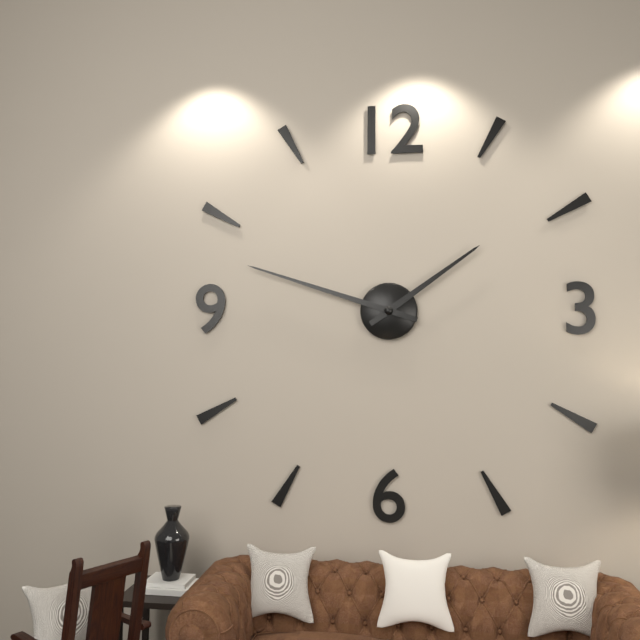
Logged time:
1h48
